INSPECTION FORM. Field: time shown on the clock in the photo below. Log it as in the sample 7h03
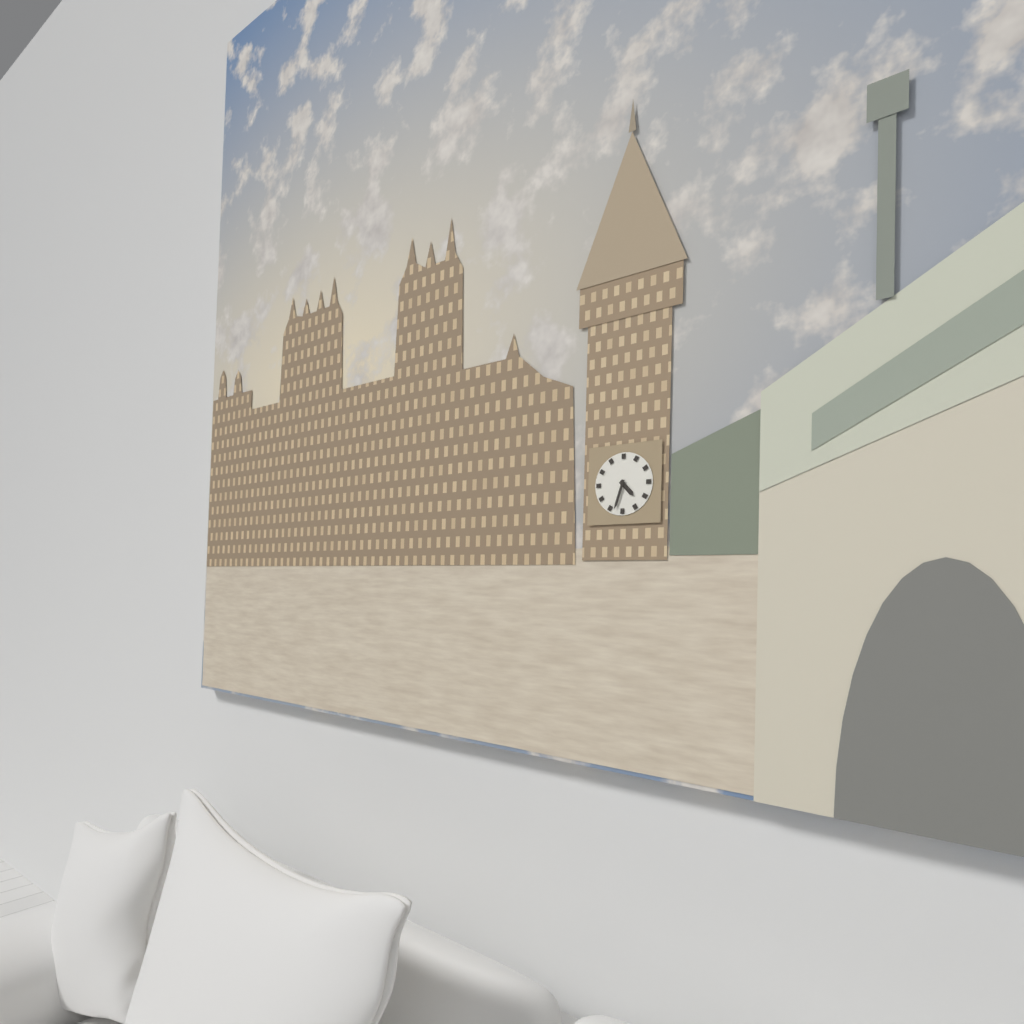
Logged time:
4h33
